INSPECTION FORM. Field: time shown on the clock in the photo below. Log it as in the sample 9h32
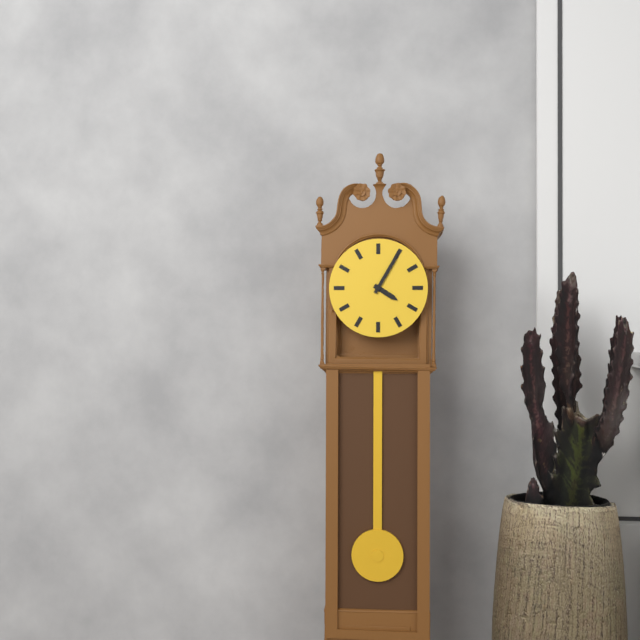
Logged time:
4h05
